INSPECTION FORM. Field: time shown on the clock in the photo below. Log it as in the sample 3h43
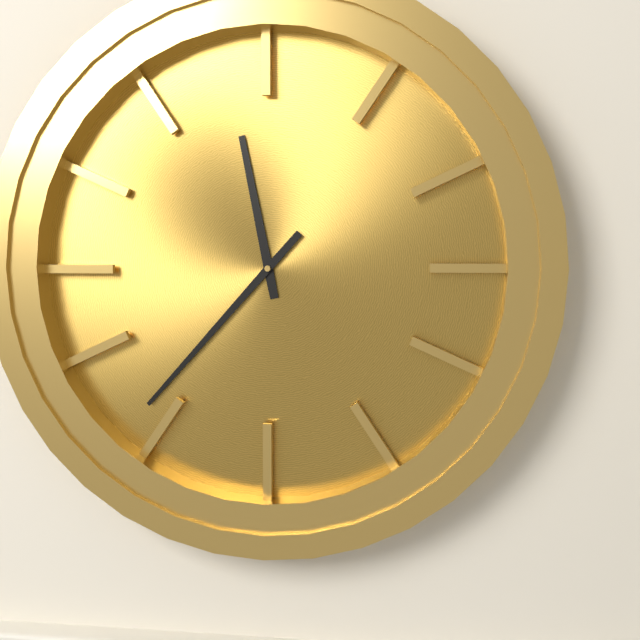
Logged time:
11h37
